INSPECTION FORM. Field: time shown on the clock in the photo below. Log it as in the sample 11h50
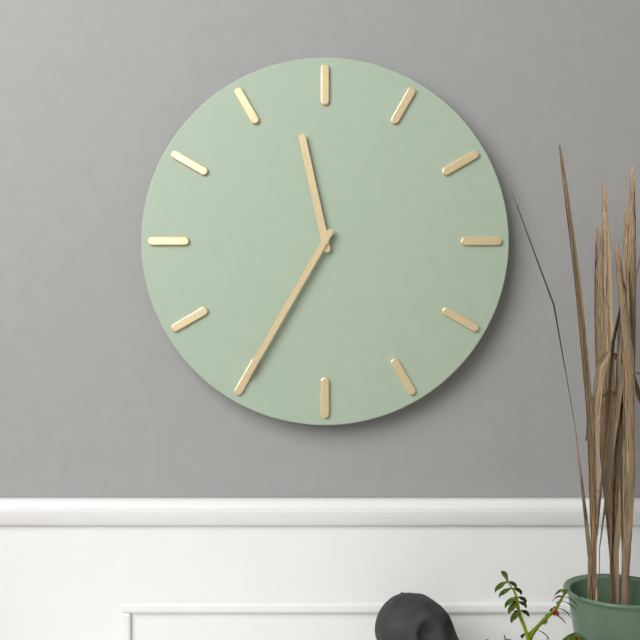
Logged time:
11h35
